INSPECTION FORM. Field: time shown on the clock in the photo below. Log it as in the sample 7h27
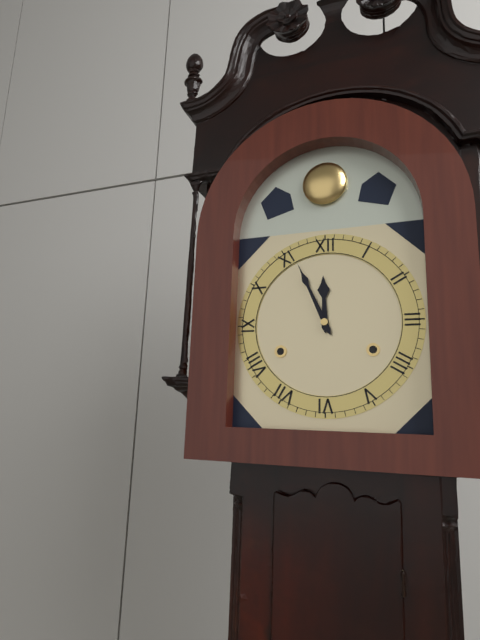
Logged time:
11h56
